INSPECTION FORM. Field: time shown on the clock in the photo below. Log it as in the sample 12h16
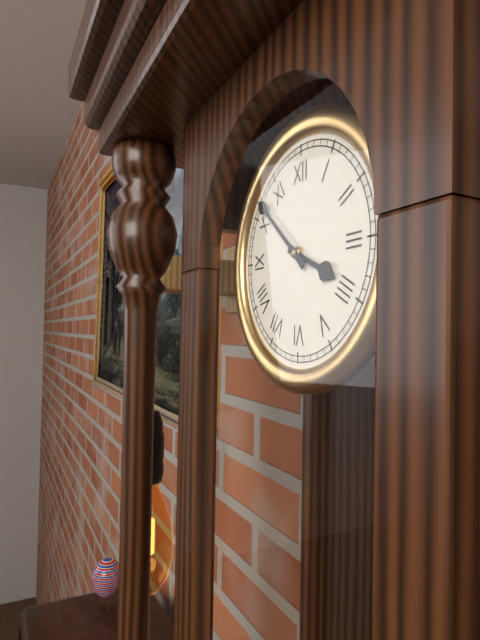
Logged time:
3h52
